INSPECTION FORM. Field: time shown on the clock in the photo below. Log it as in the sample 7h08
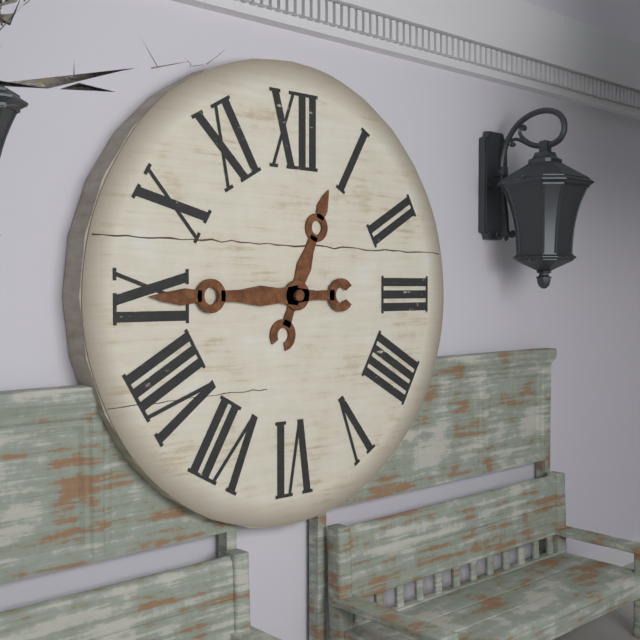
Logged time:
12h45
